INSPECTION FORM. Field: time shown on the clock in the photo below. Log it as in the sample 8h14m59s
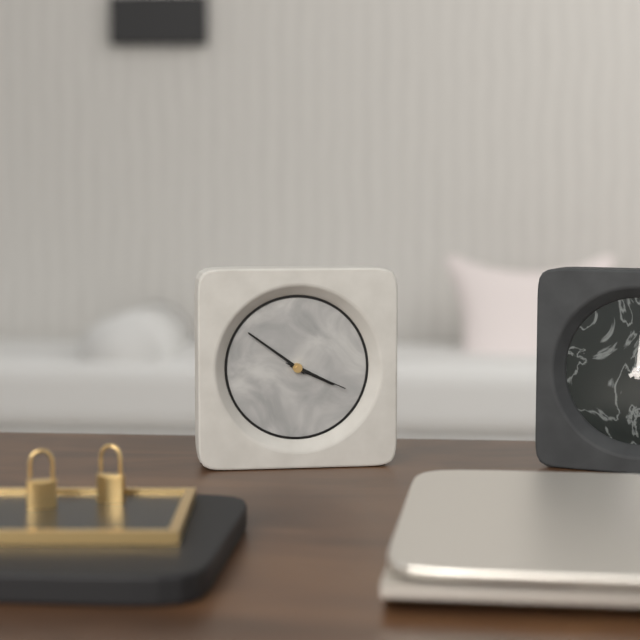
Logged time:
3h51m19s
